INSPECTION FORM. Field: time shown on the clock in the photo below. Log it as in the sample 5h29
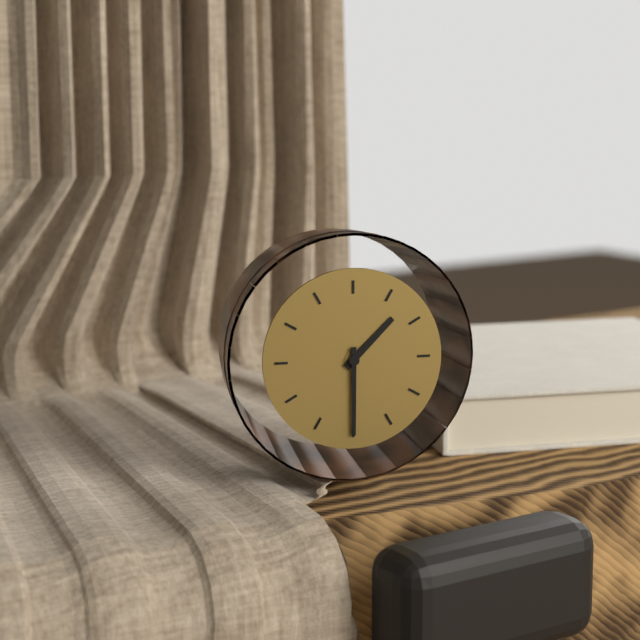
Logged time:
1h30
